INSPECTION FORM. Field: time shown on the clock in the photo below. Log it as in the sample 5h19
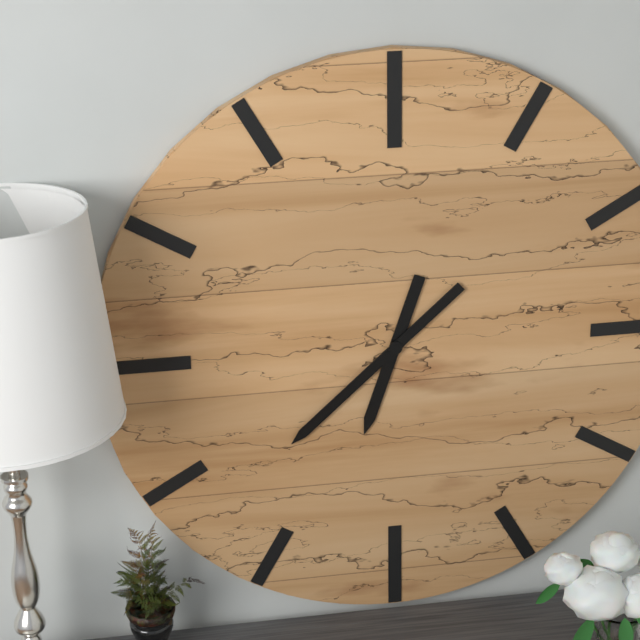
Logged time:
6h38
